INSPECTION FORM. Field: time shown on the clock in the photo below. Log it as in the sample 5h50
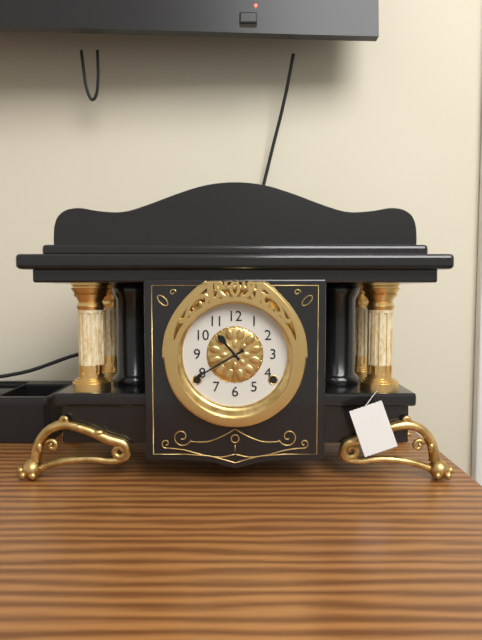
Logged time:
10h40
